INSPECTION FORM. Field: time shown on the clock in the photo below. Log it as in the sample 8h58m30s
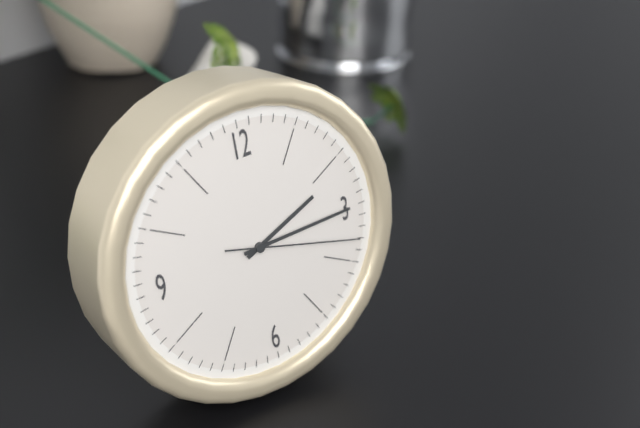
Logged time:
2h15m18s
